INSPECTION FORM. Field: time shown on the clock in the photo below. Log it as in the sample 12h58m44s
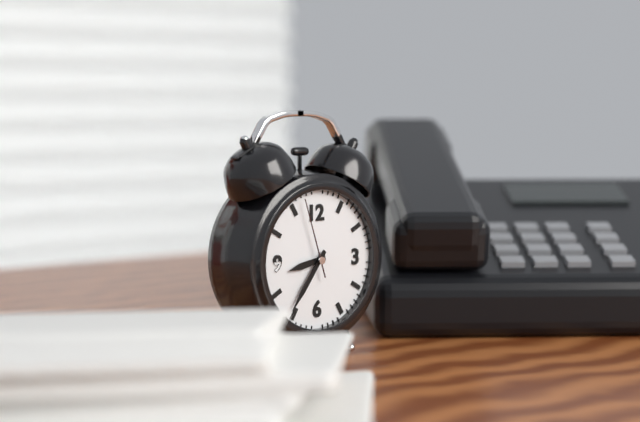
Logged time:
8h36m57s
